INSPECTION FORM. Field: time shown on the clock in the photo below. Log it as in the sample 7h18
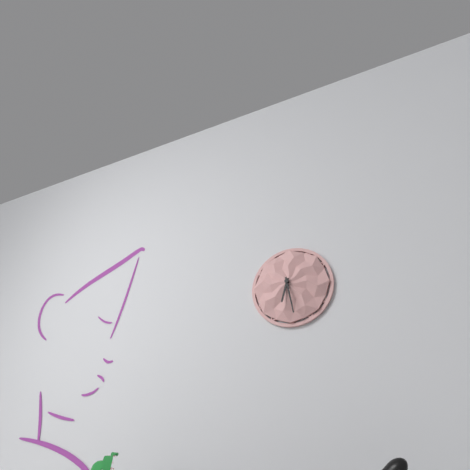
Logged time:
6h28
